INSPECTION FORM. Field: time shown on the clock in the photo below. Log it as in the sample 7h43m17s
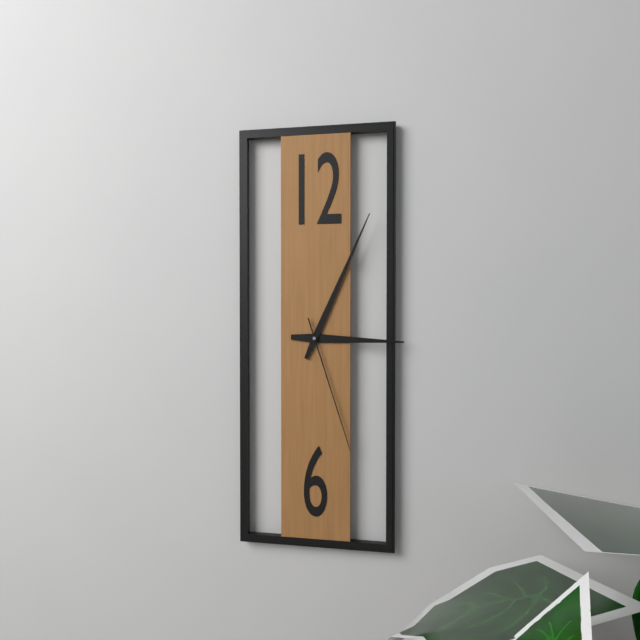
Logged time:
3h04m27s
